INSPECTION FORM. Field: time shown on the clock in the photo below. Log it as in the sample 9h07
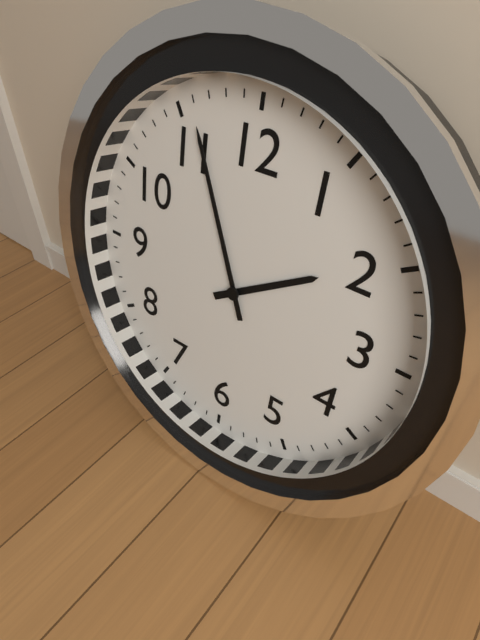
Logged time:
1h56
